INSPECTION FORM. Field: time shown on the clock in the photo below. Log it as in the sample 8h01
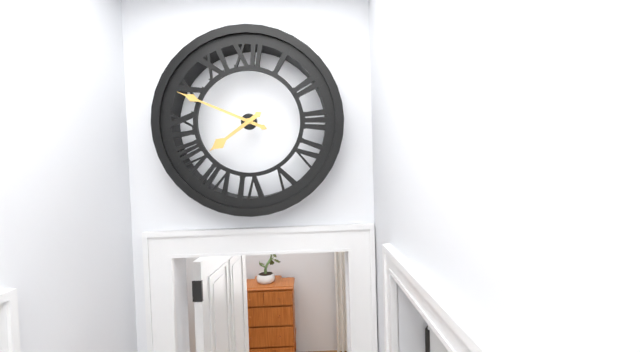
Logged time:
7h49
